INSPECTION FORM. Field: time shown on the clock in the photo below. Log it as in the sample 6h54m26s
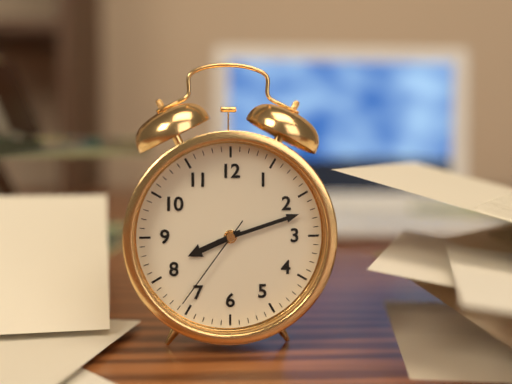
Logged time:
8h12m36s
